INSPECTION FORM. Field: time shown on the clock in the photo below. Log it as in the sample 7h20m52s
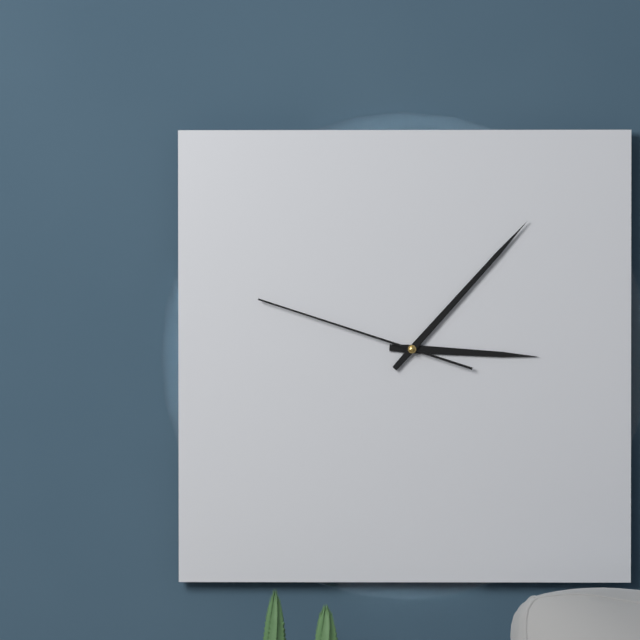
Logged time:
3h07m48s
